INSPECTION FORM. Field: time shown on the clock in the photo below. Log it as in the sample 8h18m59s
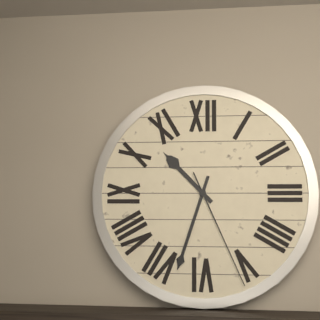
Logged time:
10h33m26s
